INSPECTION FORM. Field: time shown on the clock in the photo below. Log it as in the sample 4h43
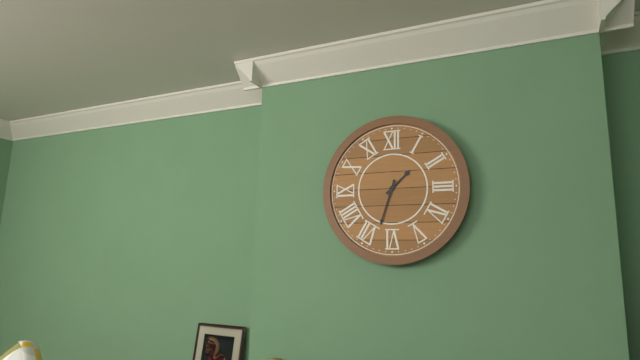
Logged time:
1h33
